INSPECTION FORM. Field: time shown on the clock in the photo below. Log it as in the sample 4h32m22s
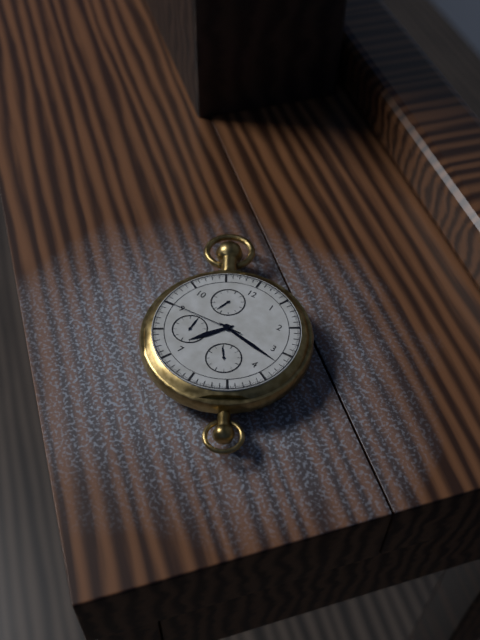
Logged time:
7h17m45s
